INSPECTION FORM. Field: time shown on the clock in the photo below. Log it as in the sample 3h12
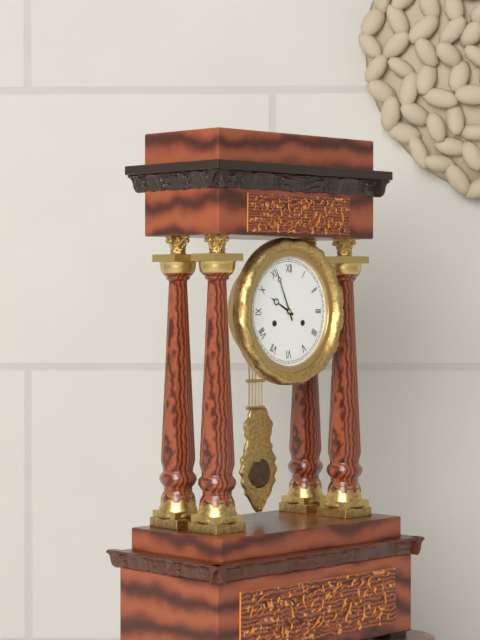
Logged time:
9h56
